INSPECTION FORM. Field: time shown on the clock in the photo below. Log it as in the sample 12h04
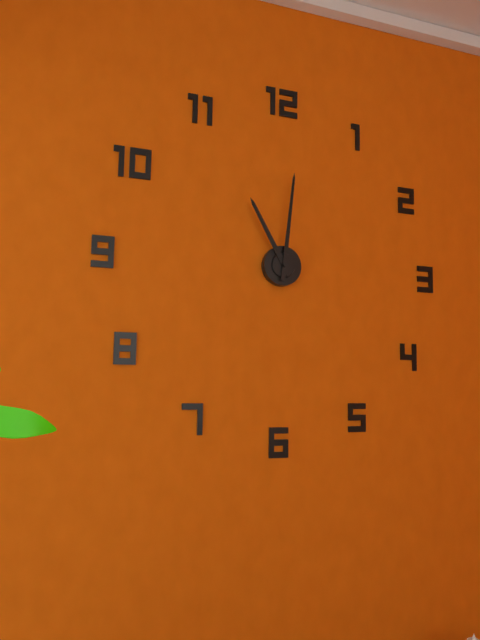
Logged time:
11h01
